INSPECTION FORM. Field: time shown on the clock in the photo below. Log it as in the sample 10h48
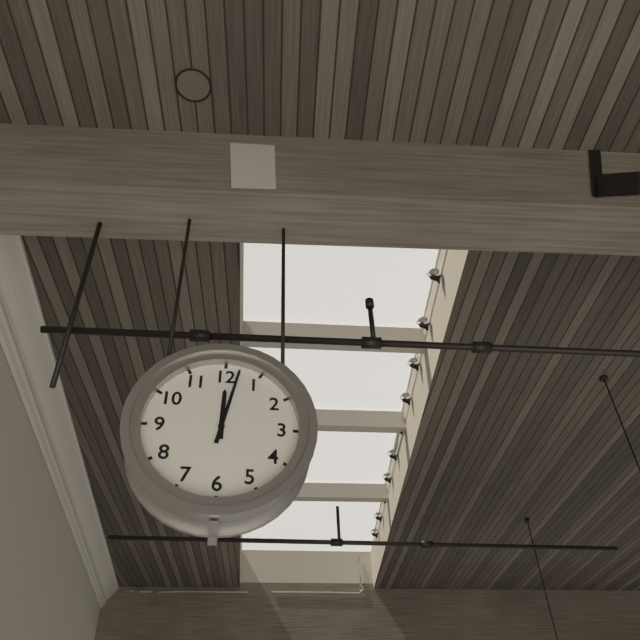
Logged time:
12h02
